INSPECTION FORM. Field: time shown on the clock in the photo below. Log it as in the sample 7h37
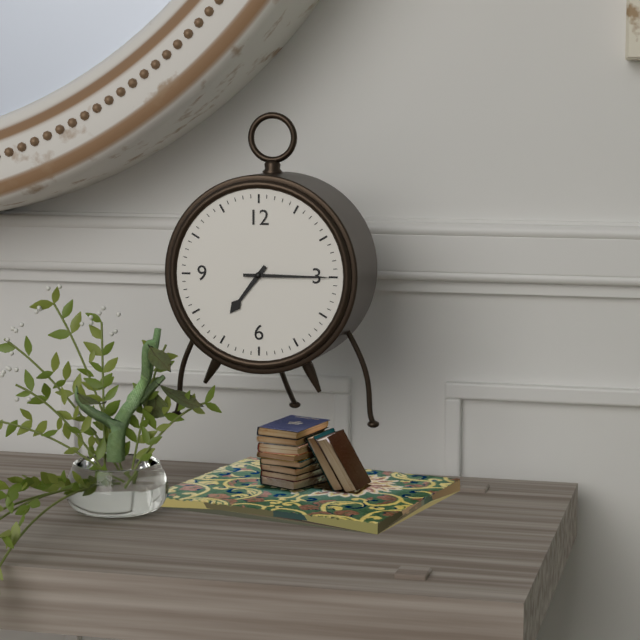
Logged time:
7h15
